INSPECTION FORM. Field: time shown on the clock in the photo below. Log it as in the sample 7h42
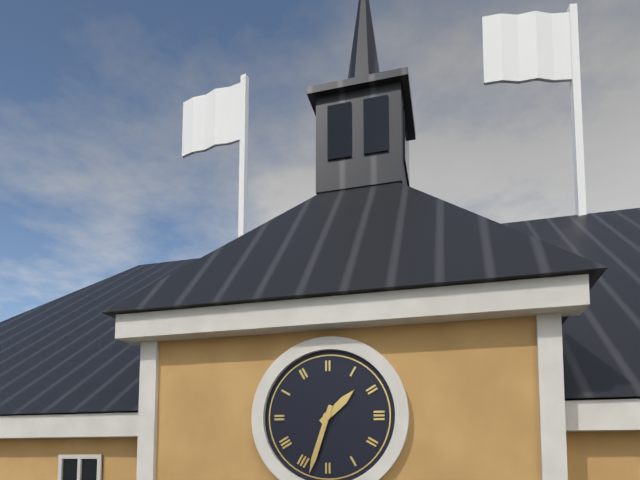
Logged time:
1h33
